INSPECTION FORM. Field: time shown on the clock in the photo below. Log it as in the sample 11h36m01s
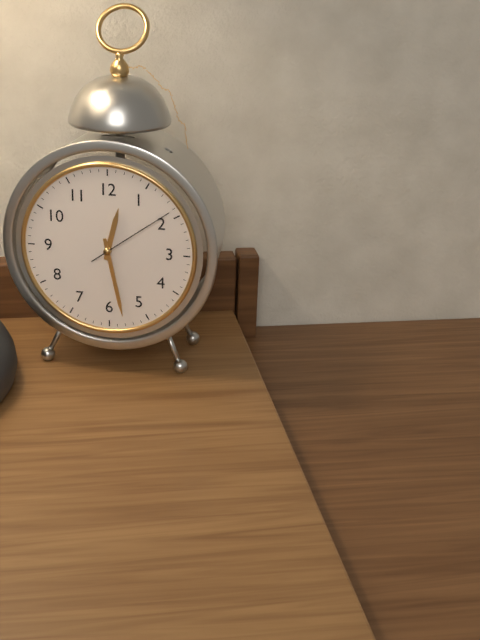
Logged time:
12h28m09s
